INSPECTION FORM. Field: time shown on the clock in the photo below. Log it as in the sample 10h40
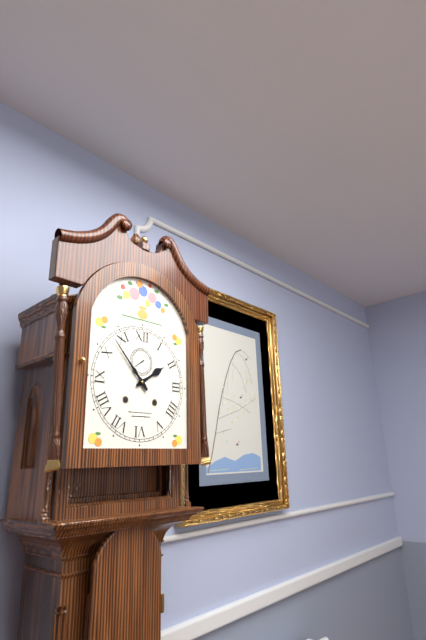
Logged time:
1h53
